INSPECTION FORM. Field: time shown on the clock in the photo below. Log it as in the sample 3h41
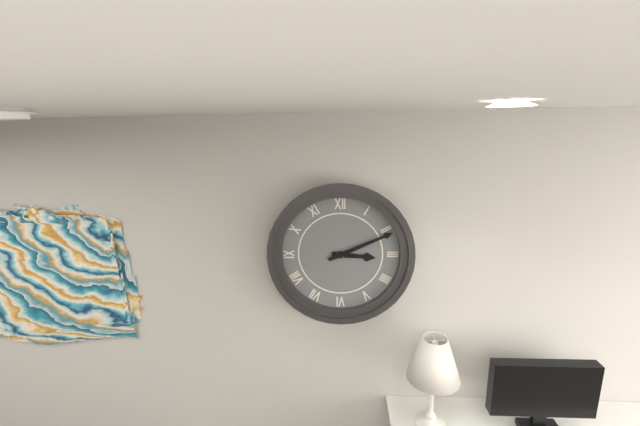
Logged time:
3h11
